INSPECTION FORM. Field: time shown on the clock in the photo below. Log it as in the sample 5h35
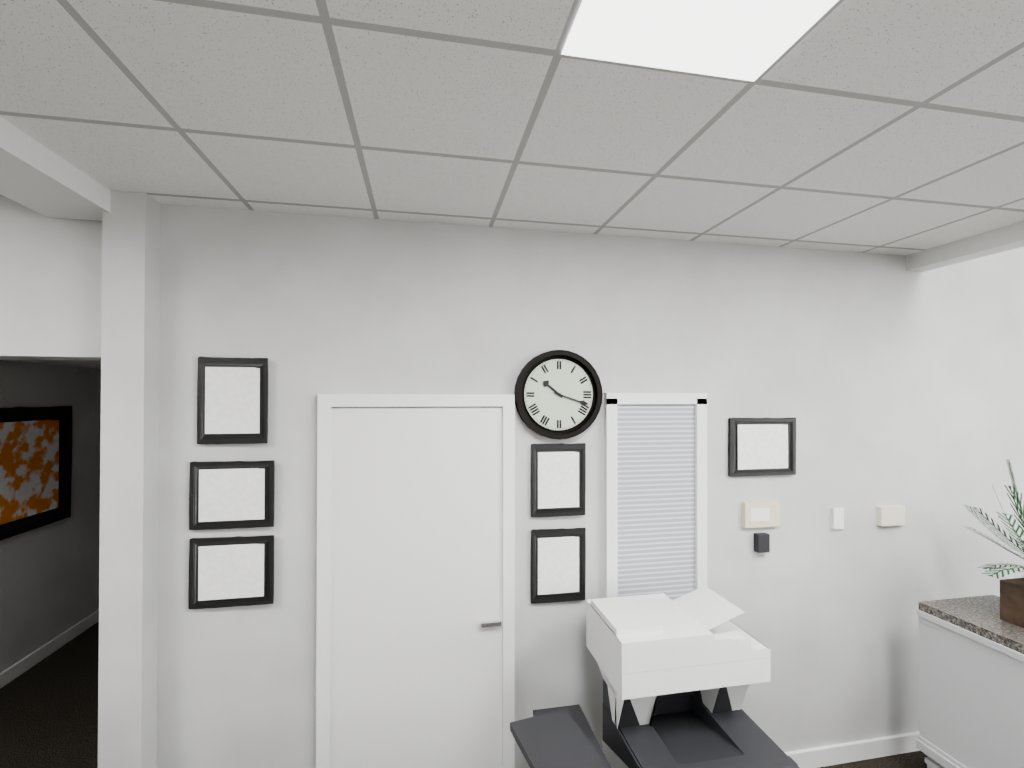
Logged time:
10h18
